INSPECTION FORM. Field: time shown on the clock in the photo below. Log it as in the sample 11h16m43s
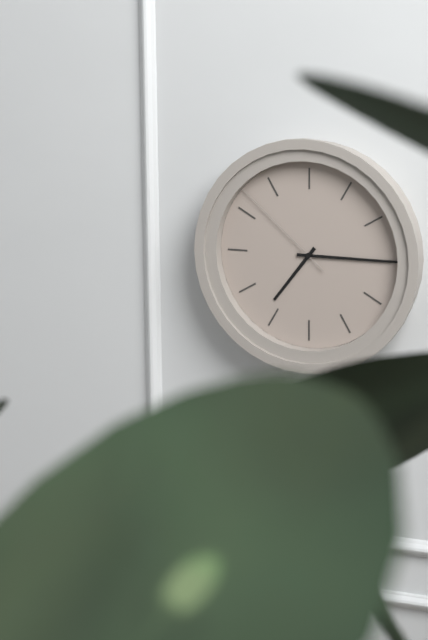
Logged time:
7h15m52s
